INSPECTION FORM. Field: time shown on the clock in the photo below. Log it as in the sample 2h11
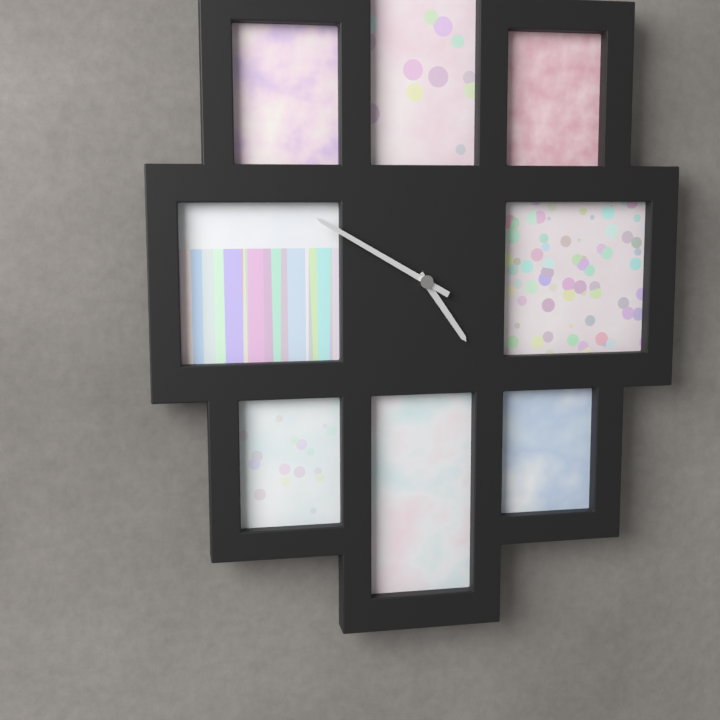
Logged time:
4h50
